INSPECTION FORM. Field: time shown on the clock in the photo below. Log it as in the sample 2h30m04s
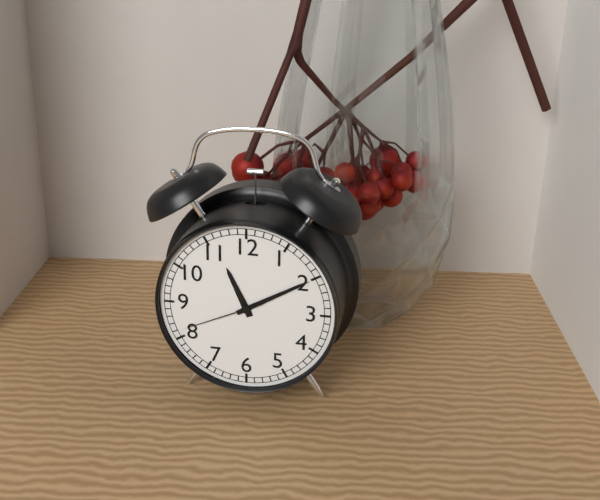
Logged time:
11h10m41s
